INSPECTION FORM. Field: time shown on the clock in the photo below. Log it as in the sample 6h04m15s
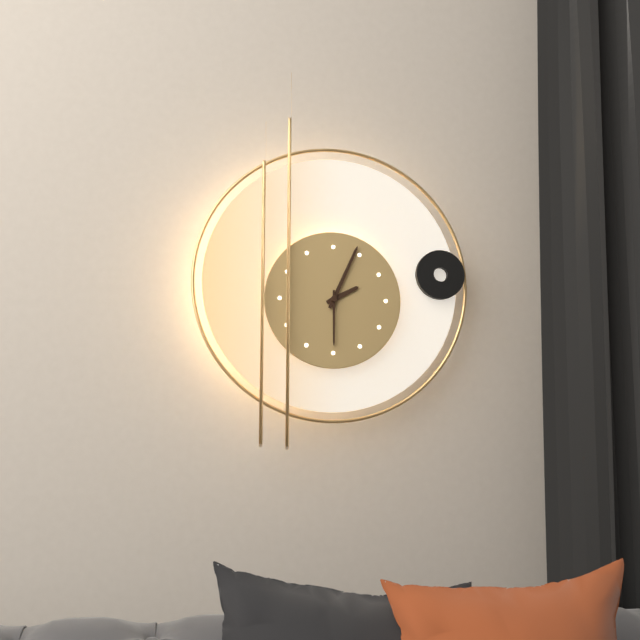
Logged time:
2h04m30s
